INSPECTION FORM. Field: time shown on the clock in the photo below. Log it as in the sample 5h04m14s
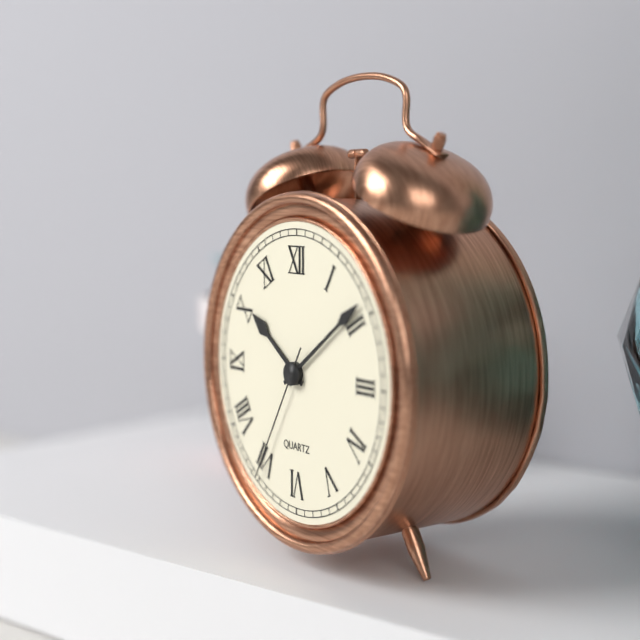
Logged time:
10h09m35s
